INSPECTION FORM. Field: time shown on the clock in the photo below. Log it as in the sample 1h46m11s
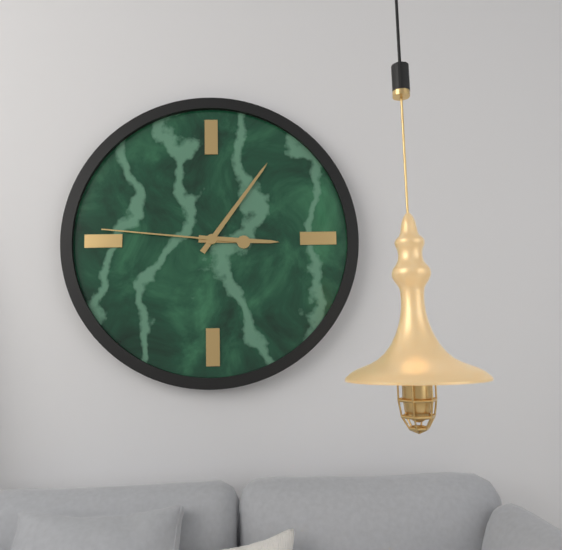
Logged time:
3h06m46s
